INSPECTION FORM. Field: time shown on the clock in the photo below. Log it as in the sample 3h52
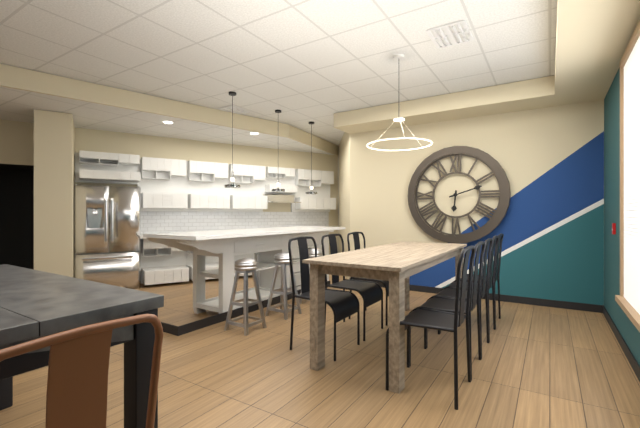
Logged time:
6h12
